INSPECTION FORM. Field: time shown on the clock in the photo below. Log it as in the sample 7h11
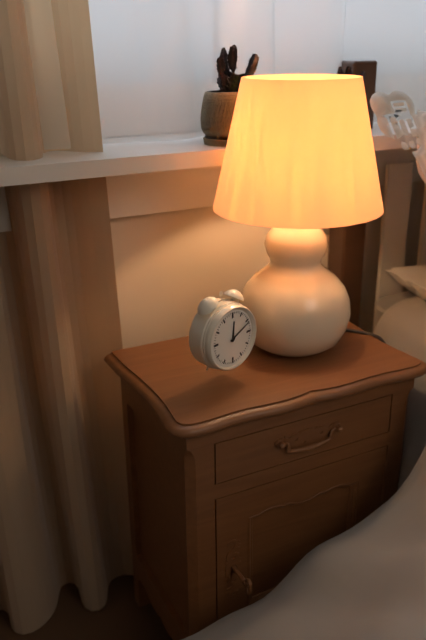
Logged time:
12h11
